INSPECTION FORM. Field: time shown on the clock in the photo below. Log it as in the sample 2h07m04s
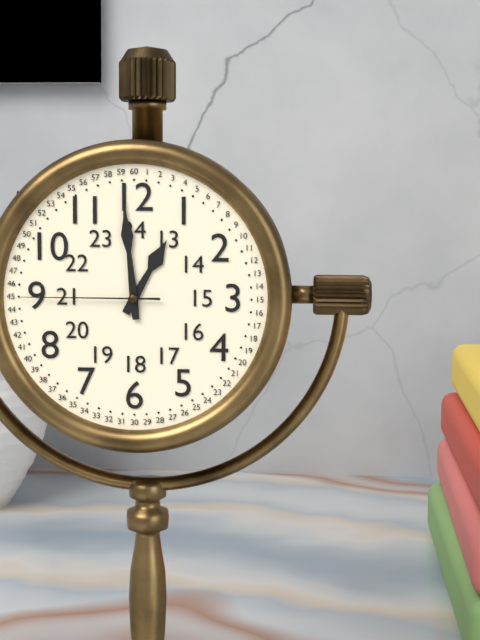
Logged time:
12h59m45s
